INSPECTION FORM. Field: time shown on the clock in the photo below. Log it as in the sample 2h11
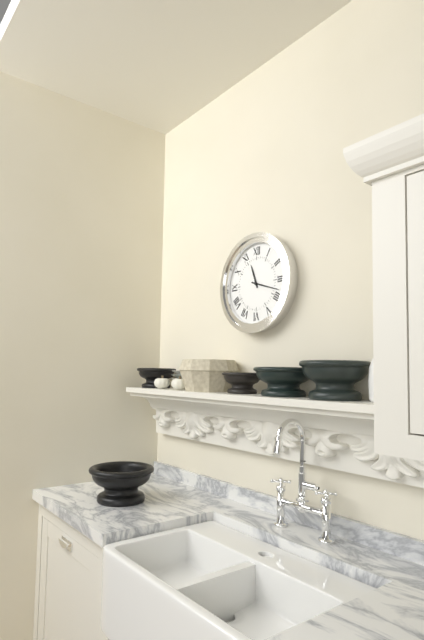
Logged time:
11h18
